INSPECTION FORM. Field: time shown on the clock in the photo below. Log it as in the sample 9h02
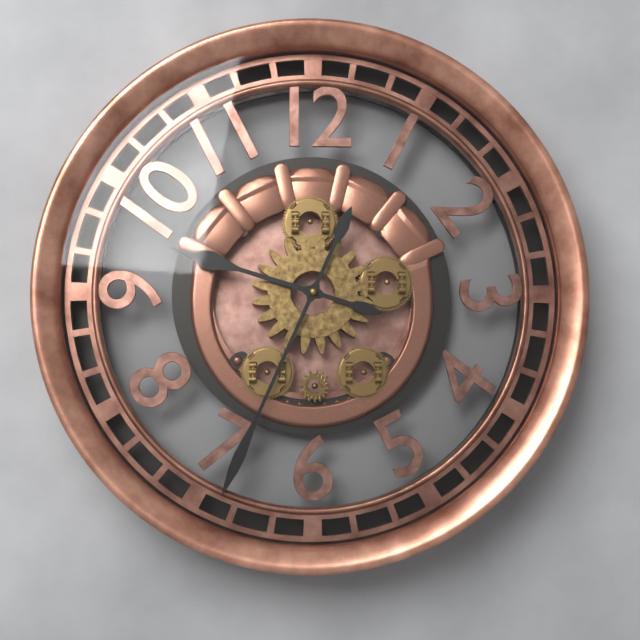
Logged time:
9h34
